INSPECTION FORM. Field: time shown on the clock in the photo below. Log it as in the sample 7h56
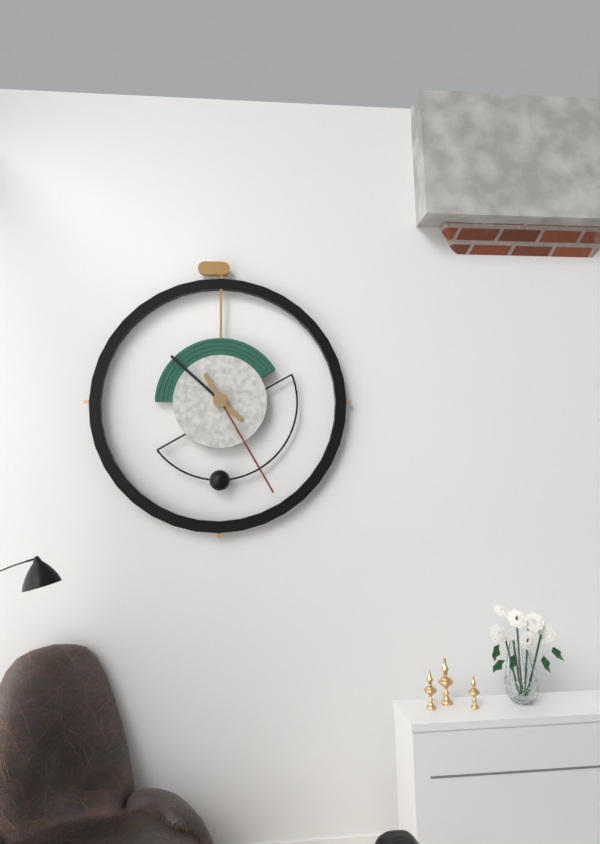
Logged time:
10h25
